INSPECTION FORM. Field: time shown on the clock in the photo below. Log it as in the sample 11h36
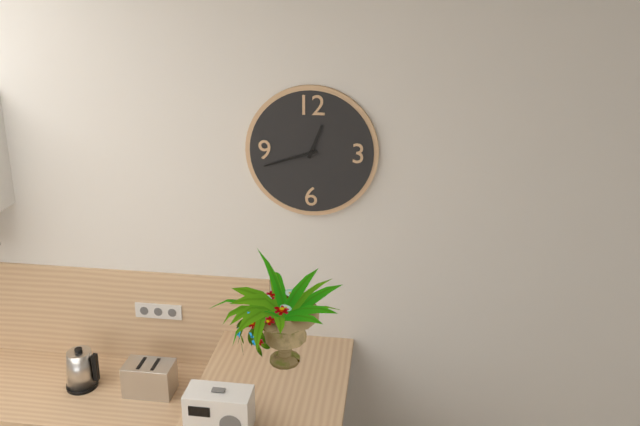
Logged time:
12h42
